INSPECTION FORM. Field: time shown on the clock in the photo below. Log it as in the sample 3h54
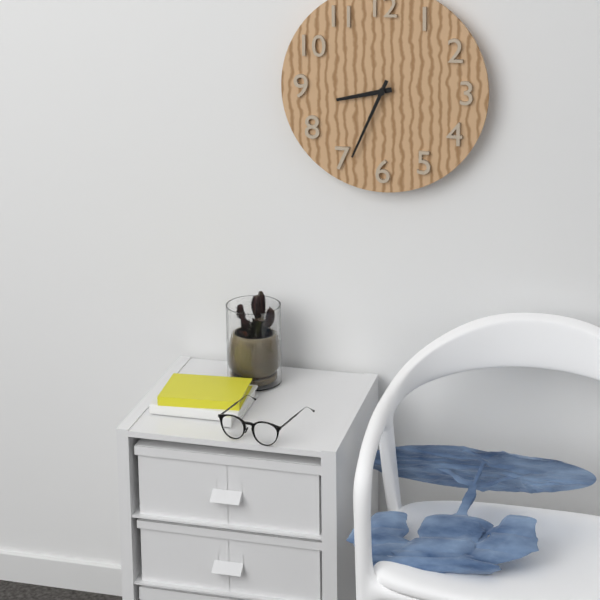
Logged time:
8h34
